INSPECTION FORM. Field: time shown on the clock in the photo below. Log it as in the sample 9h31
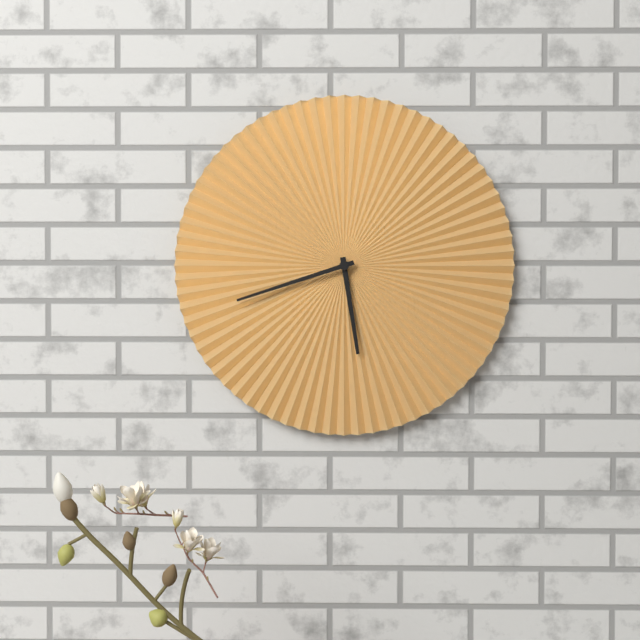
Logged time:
5h42
